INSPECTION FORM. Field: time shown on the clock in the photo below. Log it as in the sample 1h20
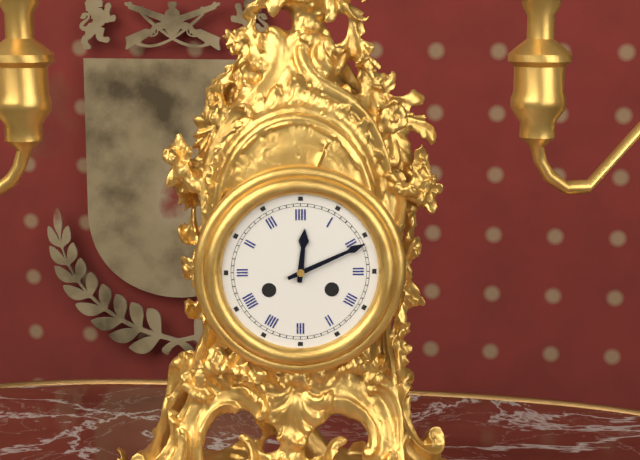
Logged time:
12h11
